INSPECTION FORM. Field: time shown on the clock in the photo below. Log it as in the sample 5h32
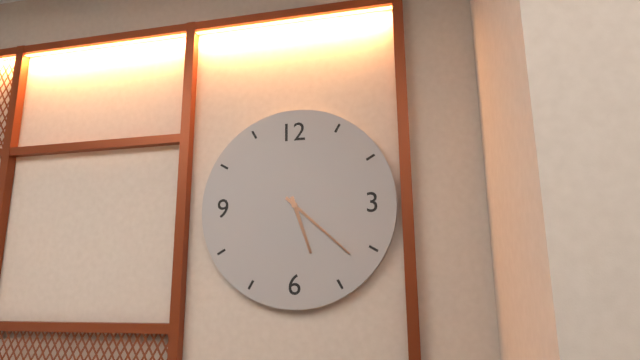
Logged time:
5h22
